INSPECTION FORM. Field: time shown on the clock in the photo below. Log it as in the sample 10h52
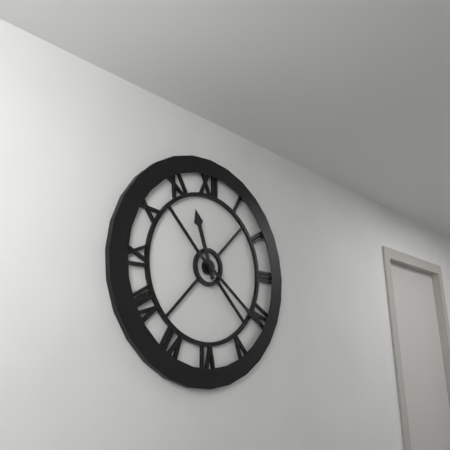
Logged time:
11h21
